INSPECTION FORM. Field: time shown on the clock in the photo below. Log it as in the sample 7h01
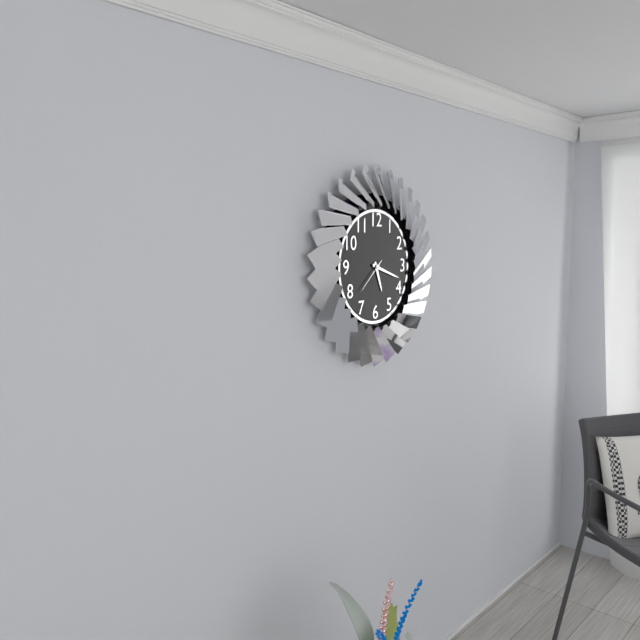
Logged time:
5h18
